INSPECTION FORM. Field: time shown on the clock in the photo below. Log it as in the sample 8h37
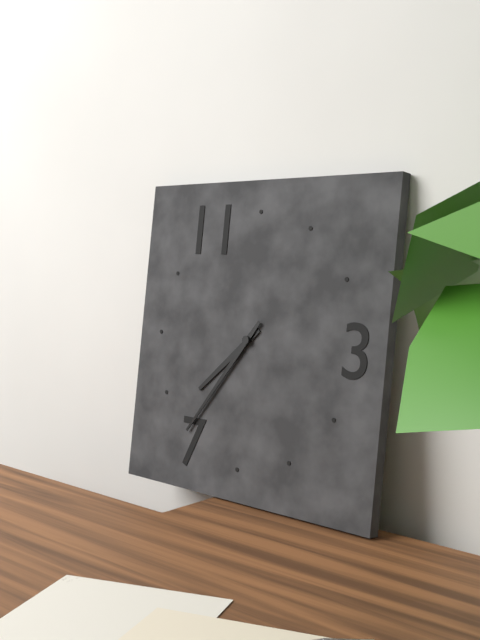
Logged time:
7h36
